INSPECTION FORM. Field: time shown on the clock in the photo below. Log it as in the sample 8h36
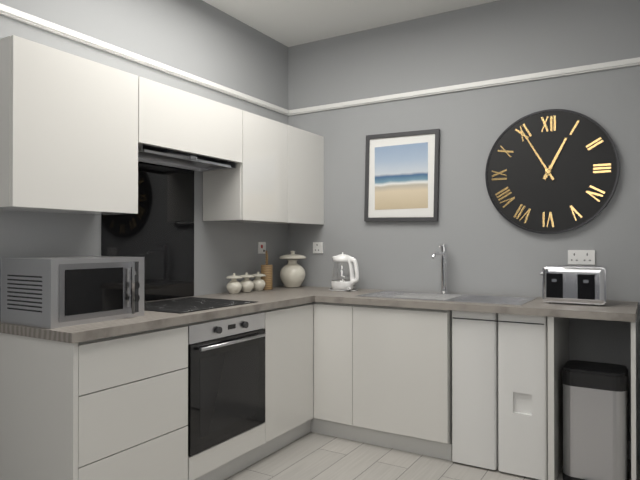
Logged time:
12h55
